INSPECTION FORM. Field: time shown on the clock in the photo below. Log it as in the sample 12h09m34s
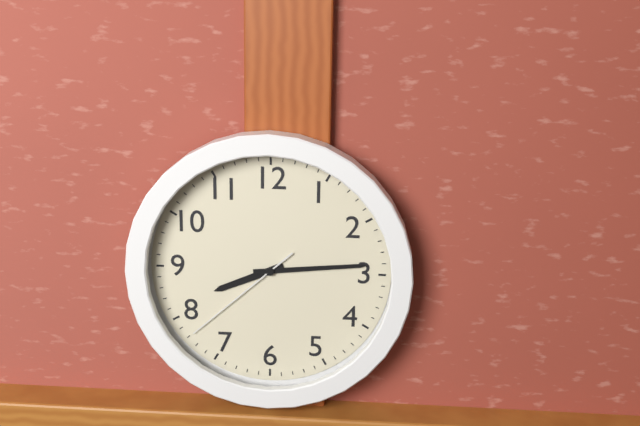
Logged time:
8h14m38s
